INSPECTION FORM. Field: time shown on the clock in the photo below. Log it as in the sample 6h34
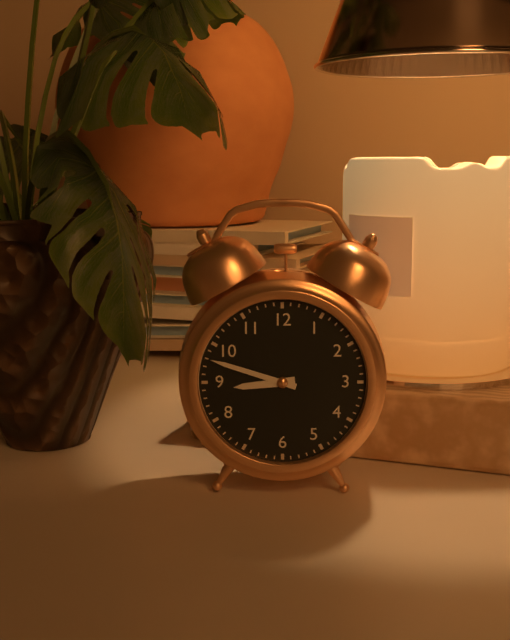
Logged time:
8h48
